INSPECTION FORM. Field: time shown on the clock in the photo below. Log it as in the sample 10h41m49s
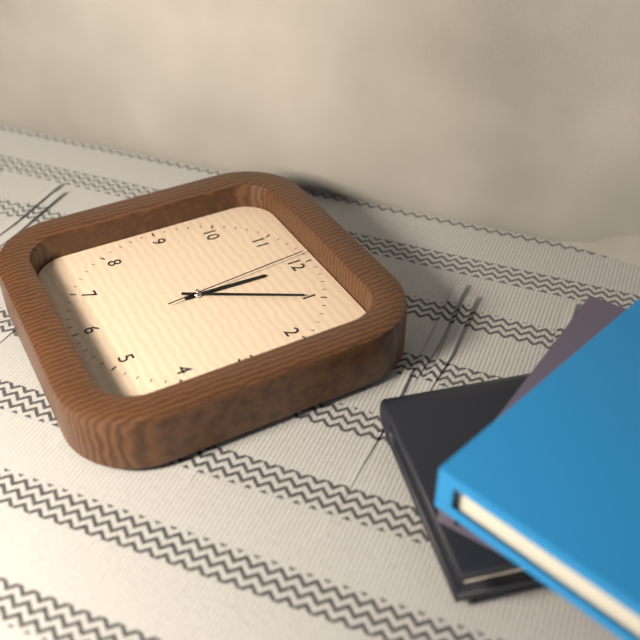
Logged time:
12h05m59s
